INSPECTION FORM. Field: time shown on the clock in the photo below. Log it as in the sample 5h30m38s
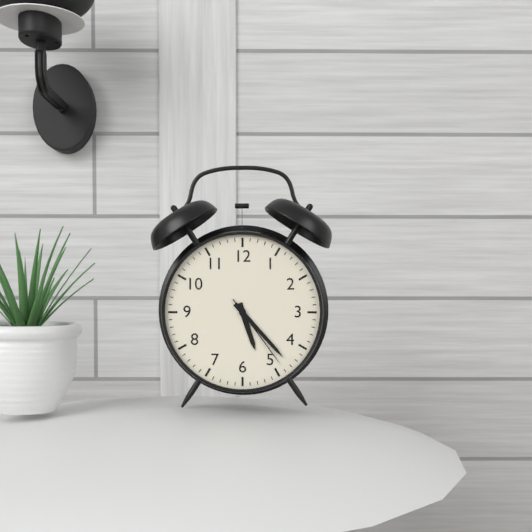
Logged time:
5h23m24s
